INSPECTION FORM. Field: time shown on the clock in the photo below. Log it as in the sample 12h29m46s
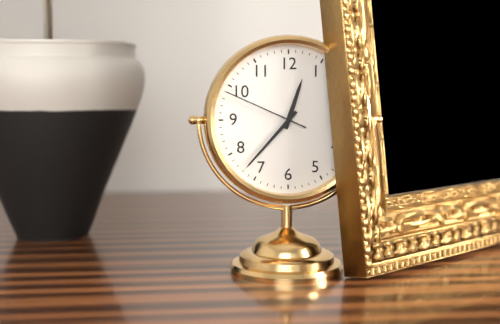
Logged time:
12h37m49s
